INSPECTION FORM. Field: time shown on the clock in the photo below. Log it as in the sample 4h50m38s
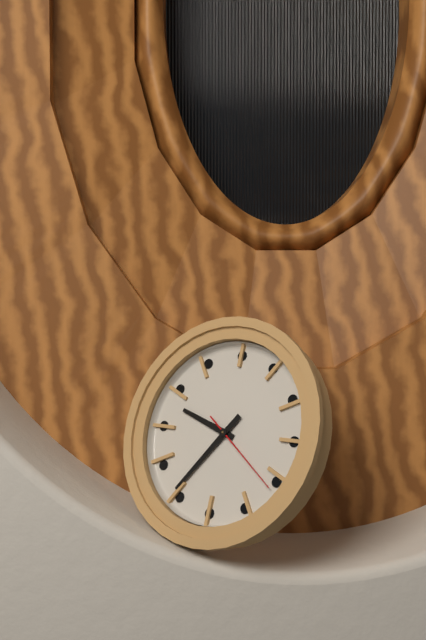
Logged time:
9h36m21s
